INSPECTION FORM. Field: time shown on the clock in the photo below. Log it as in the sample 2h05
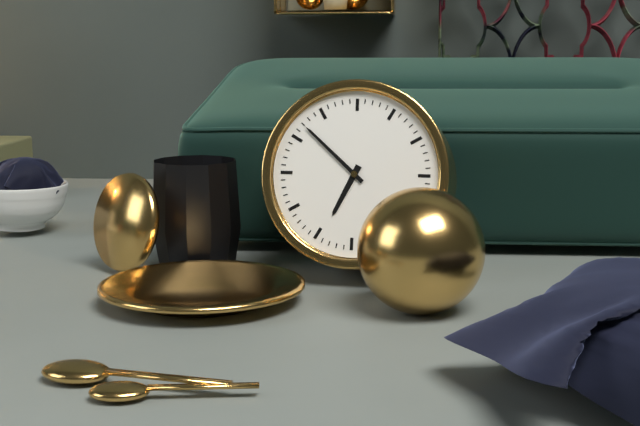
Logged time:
6h52
